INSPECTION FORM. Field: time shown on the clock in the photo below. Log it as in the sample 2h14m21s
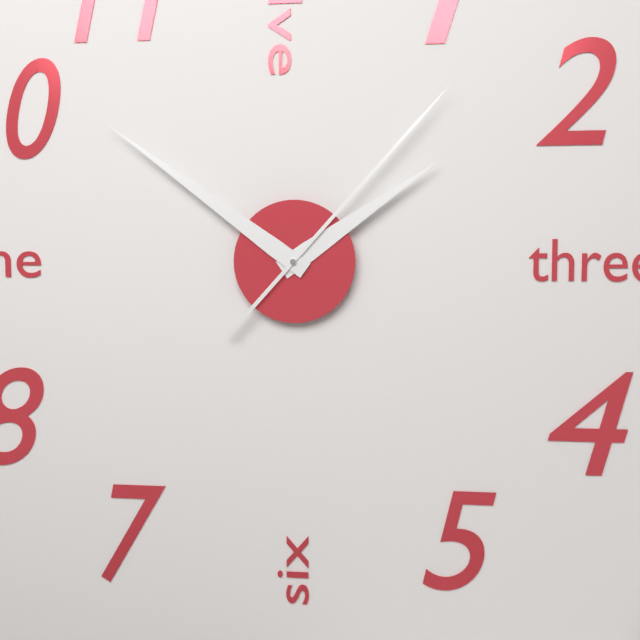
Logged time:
1h51m07s
